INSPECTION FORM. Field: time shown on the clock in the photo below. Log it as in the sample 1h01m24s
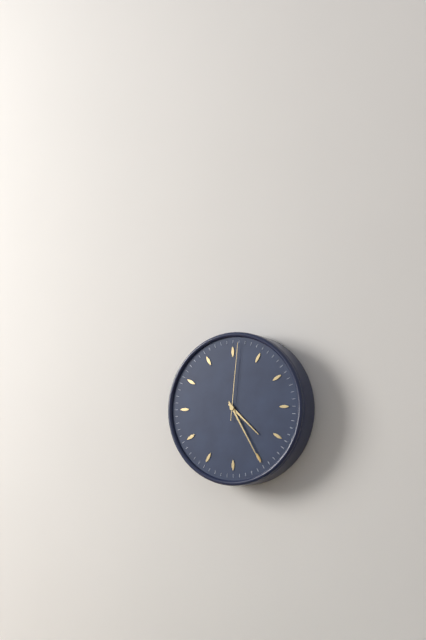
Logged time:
4h25m01s
